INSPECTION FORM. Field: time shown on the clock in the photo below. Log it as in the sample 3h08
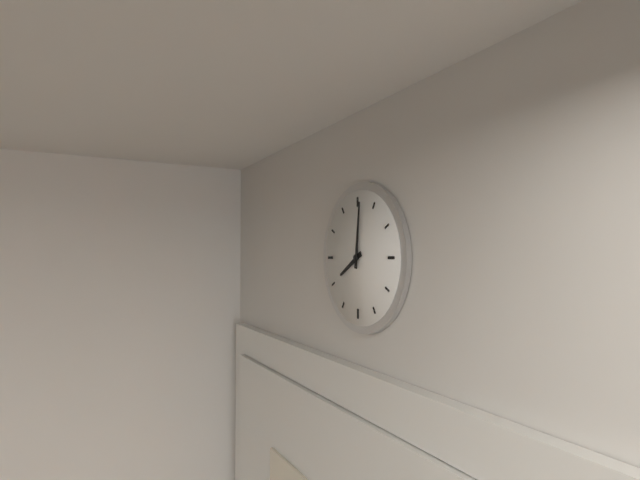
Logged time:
8h01
